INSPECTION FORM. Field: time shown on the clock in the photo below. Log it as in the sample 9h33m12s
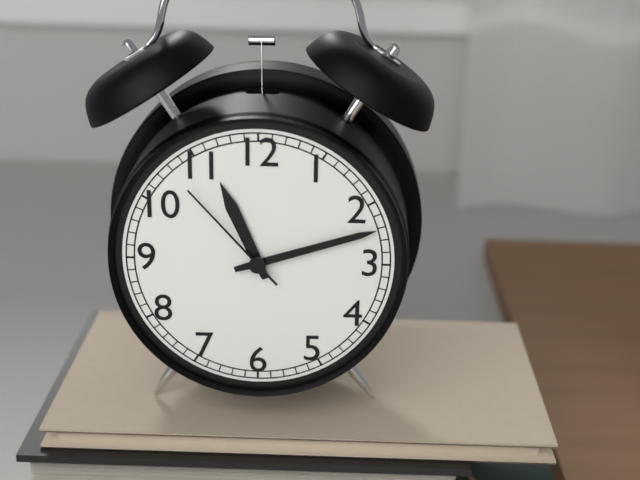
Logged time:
11h12m53s
